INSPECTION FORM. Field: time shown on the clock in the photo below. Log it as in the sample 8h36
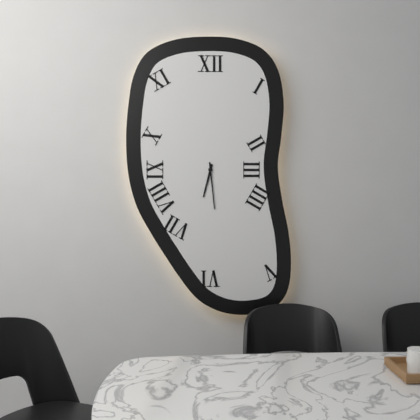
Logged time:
6h29
